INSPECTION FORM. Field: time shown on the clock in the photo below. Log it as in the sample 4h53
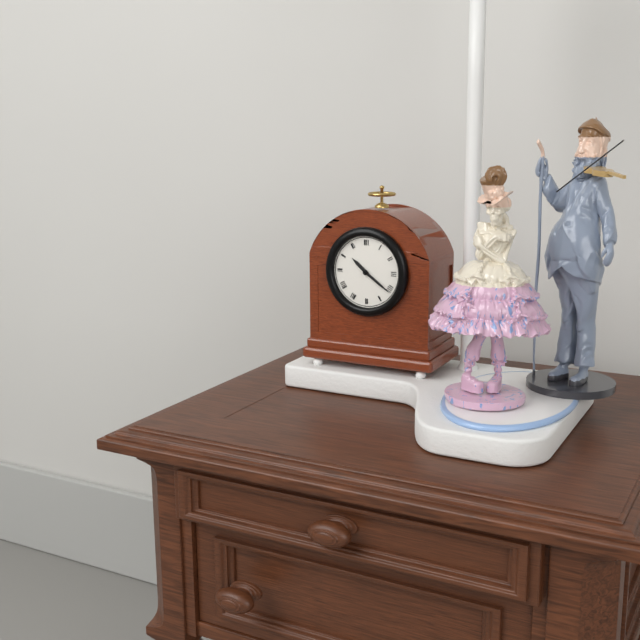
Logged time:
10h21
